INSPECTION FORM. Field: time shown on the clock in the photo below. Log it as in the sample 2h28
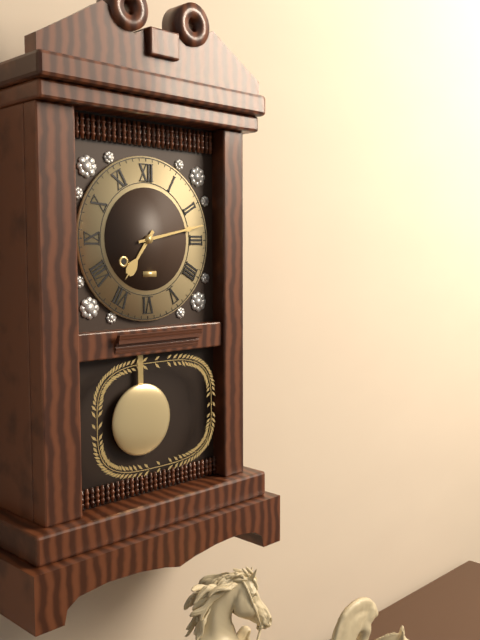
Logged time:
7h13
